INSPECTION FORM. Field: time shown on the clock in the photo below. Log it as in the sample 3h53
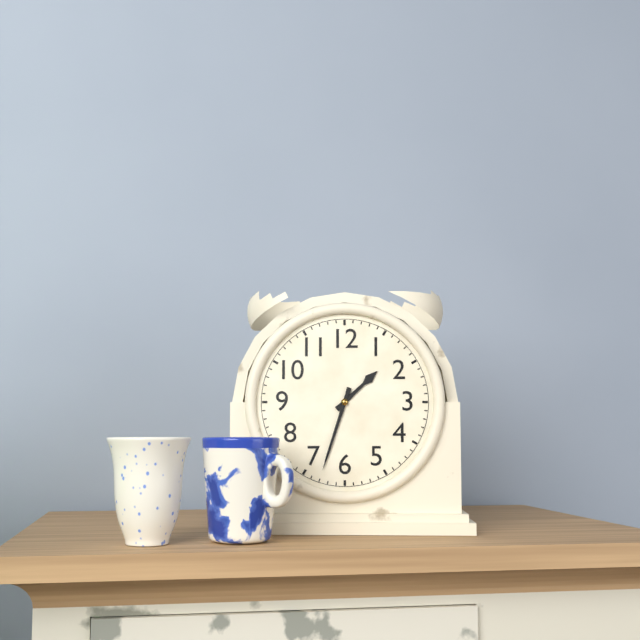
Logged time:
1h33
